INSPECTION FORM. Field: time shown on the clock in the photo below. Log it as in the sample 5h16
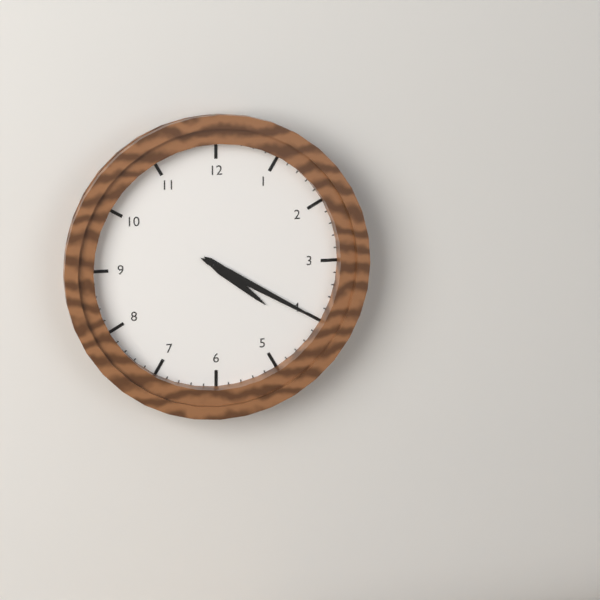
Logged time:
4h20
